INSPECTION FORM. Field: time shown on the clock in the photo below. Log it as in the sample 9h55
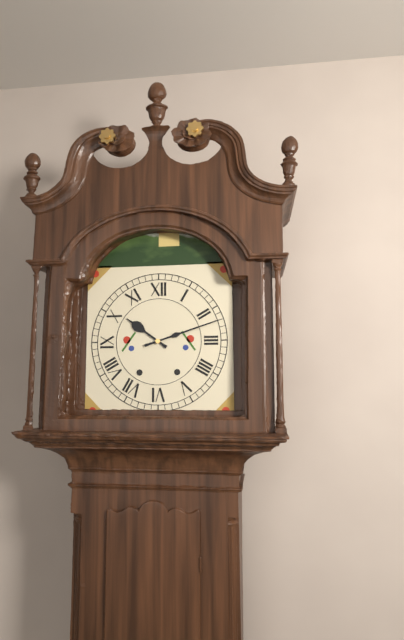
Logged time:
10h12
